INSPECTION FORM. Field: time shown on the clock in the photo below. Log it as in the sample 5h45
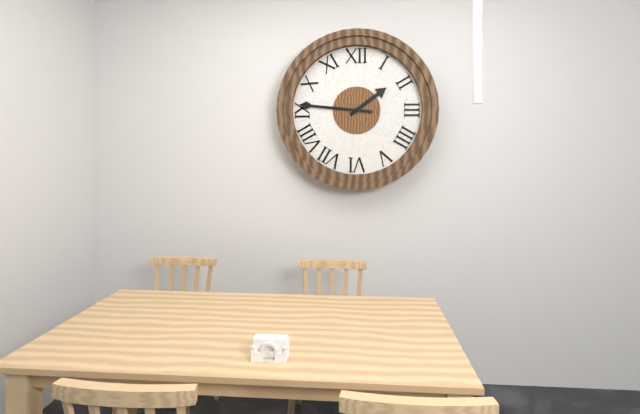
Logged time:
1h46
